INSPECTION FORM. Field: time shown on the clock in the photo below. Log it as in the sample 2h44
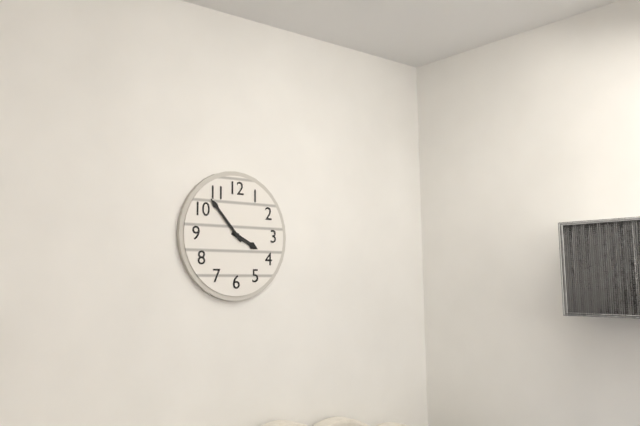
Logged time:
3h53
